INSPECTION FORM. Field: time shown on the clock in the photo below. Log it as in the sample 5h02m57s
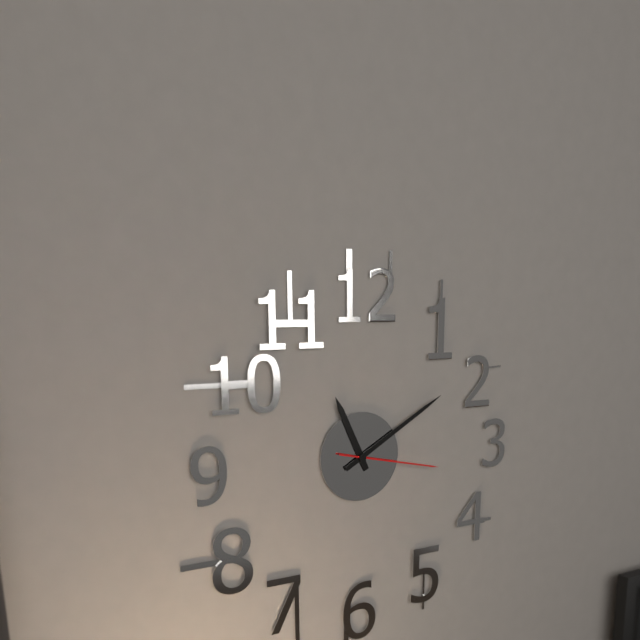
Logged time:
11h10m17s
